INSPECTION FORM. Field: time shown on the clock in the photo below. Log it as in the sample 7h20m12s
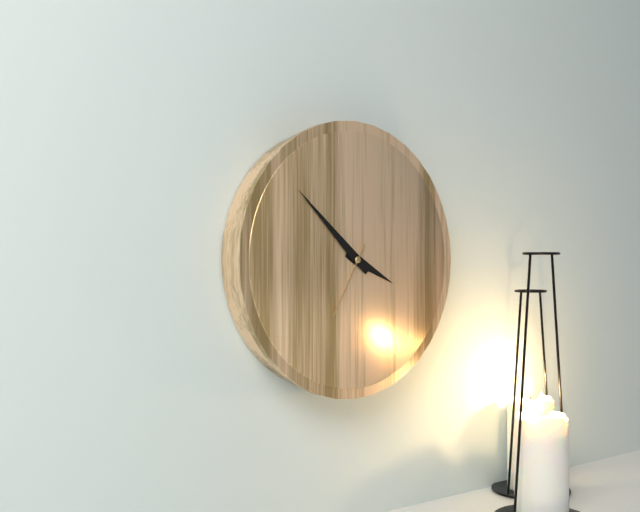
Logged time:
3h52m35s
